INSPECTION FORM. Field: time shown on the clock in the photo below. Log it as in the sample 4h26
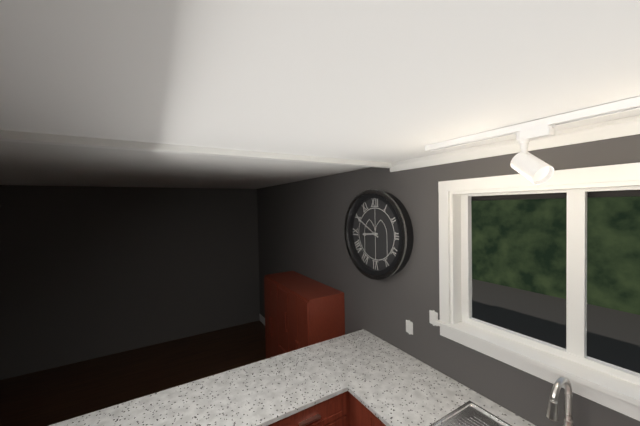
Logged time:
8h50
